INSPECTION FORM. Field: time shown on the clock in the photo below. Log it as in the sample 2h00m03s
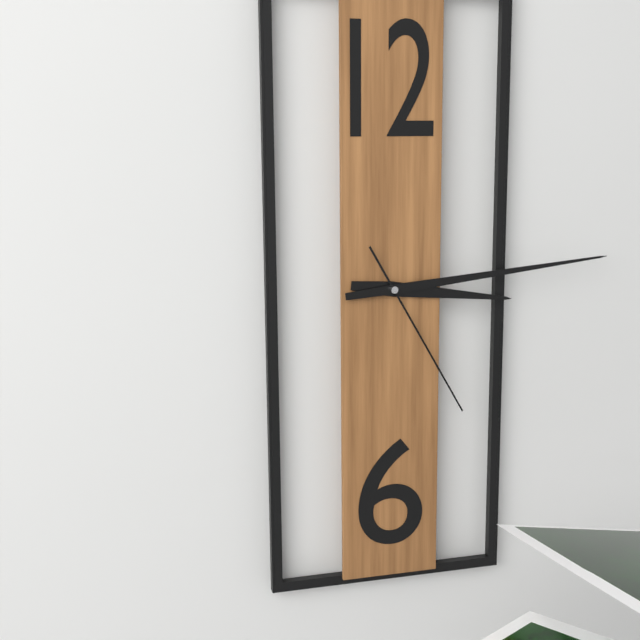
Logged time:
3h14m25s
